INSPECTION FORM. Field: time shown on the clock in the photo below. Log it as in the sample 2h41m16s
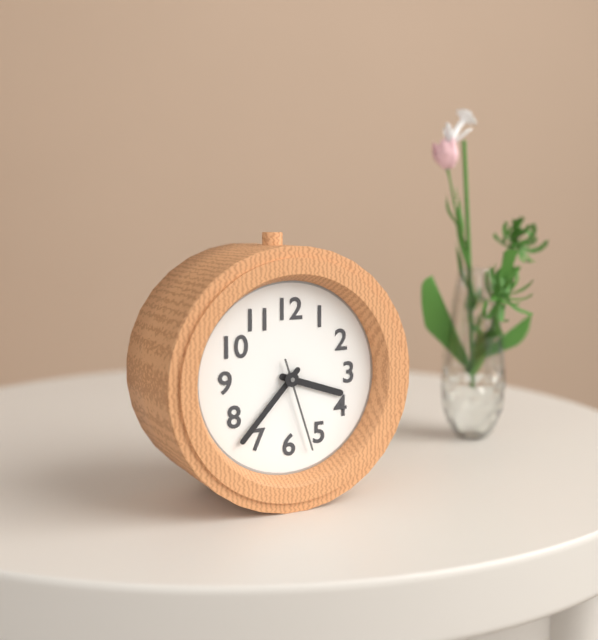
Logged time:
3h37m27s
